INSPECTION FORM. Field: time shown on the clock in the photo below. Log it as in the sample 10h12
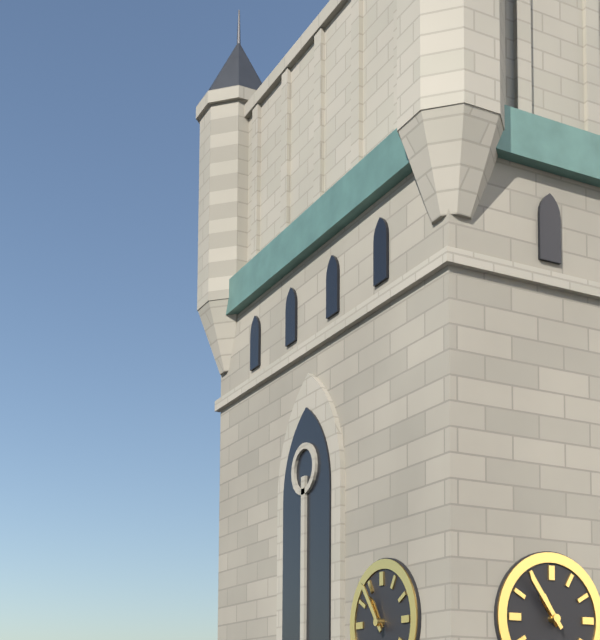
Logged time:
10h54
